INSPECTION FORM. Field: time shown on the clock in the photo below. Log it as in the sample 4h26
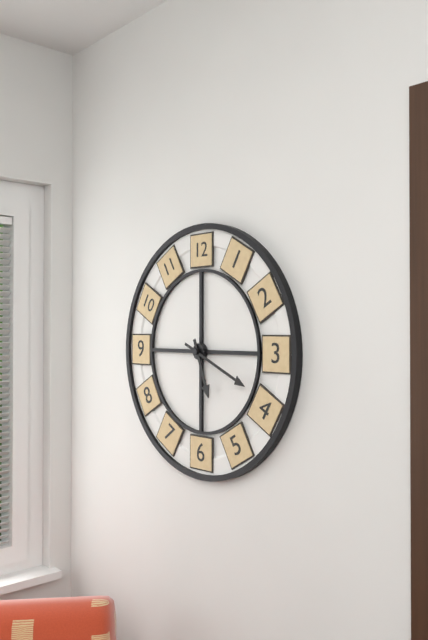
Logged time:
5h19
